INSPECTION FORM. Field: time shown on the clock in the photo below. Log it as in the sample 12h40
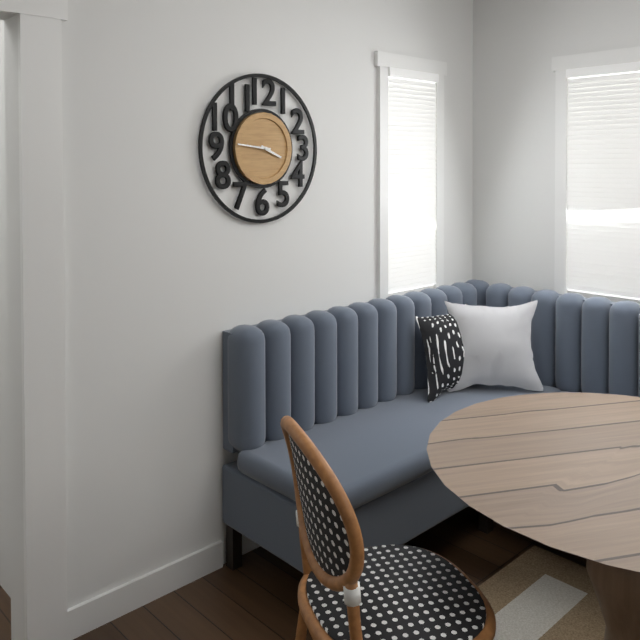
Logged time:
3h46
